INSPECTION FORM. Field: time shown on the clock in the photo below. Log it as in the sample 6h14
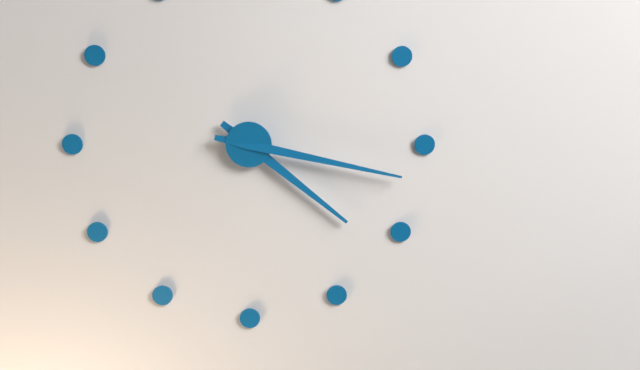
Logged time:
4h17
